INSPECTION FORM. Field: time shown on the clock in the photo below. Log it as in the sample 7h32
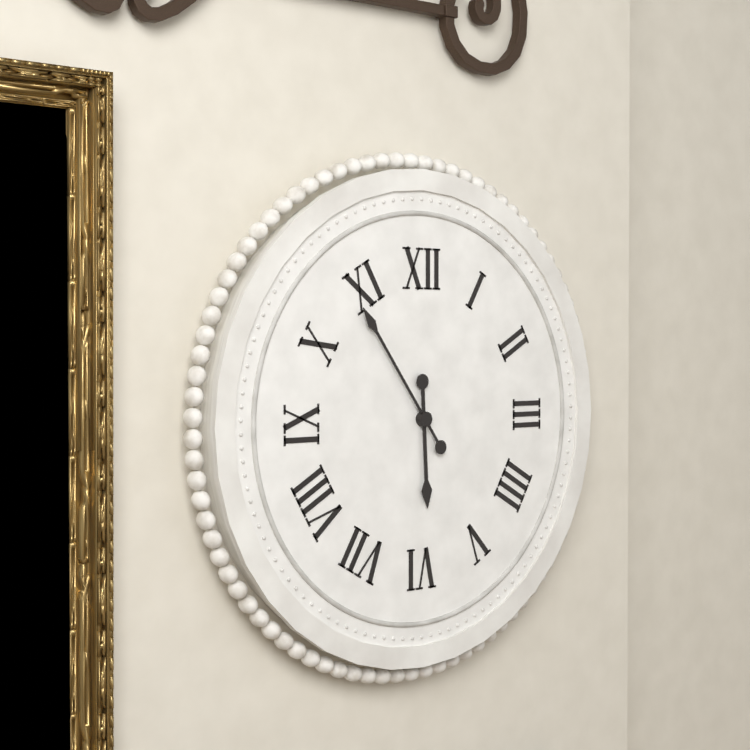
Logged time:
5h54
